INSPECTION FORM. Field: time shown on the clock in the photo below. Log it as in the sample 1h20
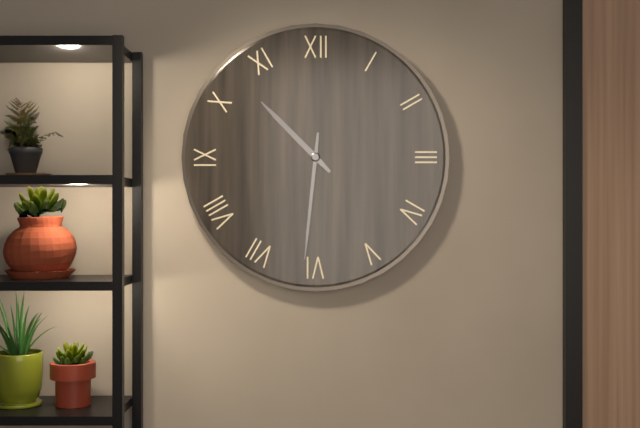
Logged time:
10h31
